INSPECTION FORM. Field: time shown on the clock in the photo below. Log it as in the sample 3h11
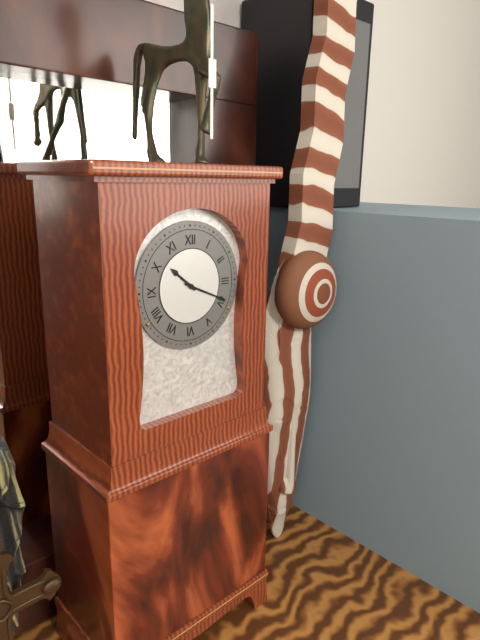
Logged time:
10h19
